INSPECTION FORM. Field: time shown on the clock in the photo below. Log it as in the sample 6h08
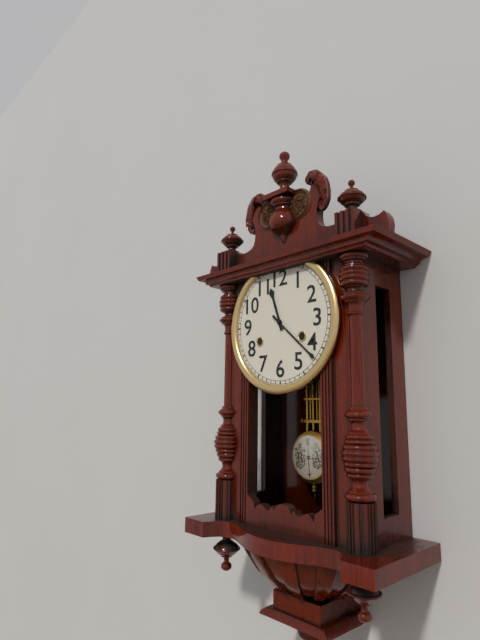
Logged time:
11h22
